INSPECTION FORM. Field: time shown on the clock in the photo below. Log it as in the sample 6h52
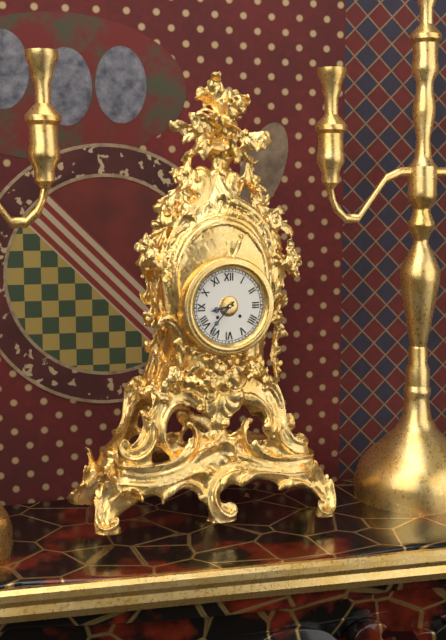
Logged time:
8h37
